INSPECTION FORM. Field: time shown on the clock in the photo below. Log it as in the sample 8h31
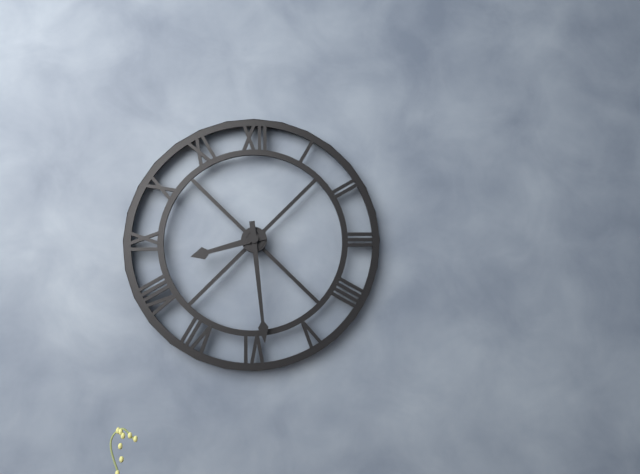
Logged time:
8h29
